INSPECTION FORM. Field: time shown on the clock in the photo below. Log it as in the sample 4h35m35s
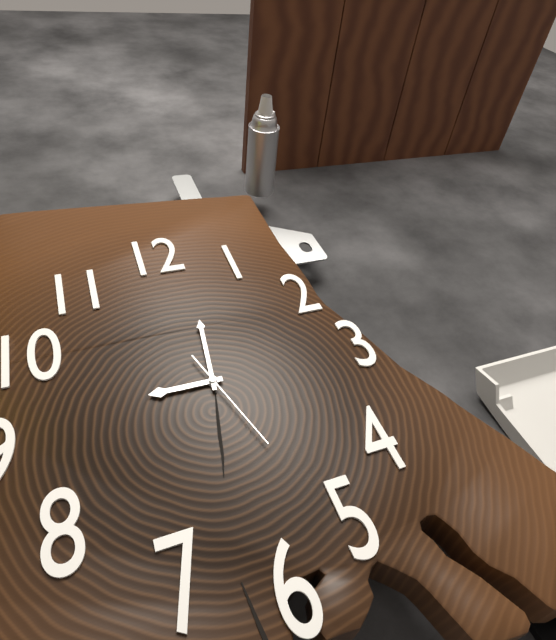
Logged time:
9h01m27s
